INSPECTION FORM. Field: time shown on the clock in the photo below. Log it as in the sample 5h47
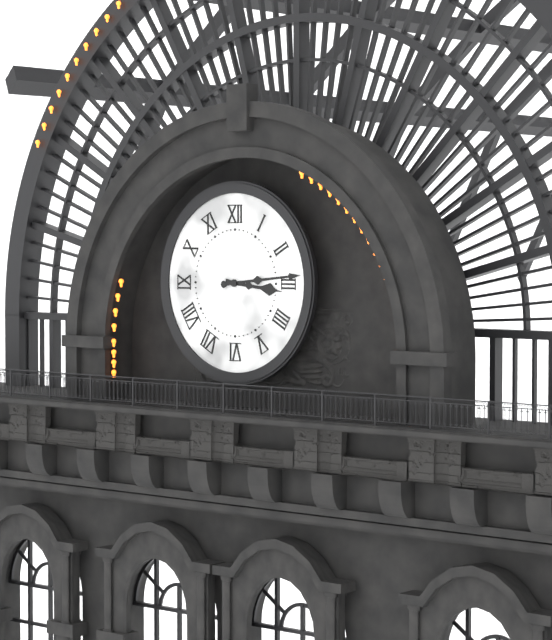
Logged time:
3h14
